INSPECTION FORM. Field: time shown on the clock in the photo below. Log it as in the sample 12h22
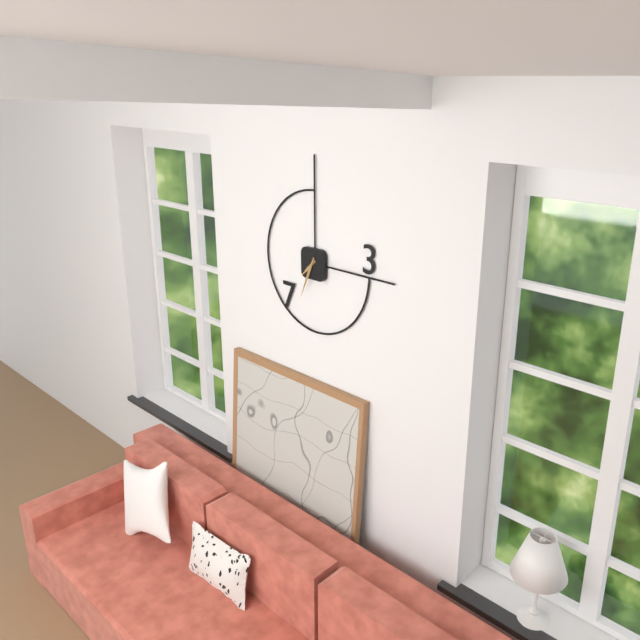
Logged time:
7h34
